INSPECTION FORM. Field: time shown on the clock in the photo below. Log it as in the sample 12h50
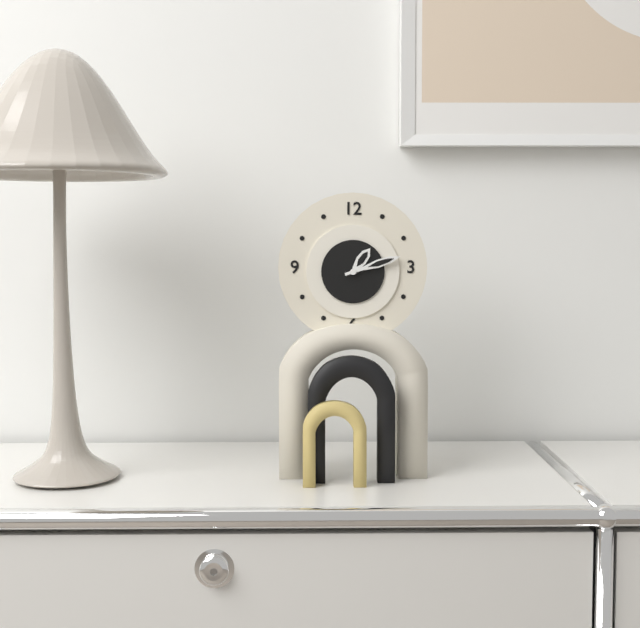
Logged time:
1h12
